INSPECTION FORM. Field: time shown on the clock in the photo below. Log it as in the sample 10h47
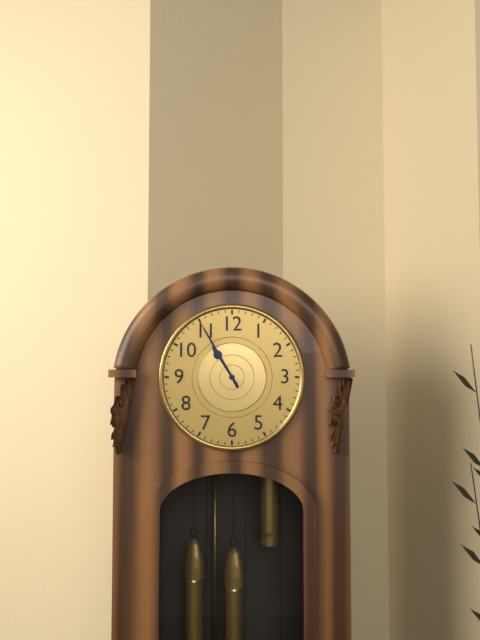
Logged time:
10h55
